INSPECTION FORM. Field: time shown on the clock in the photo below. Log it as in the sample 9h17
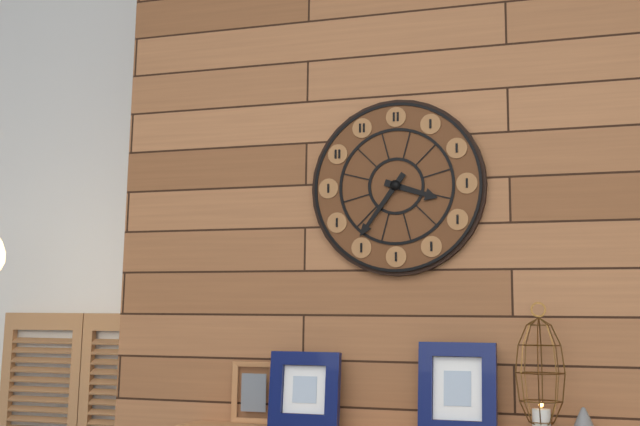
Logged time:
3h36
